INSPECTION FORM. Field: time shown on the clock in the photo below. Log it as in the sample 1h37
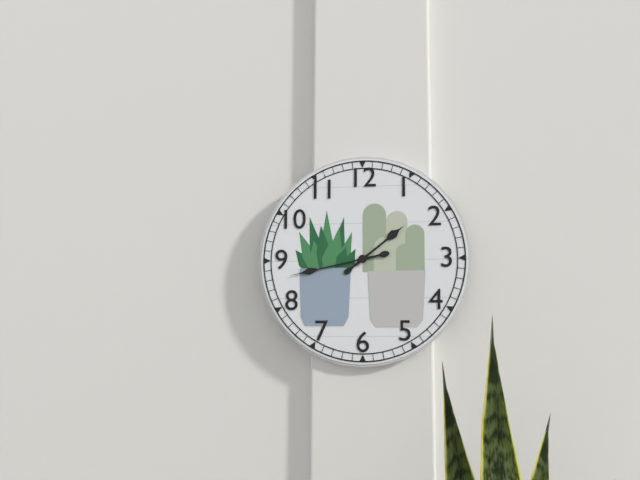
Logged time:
1h43
